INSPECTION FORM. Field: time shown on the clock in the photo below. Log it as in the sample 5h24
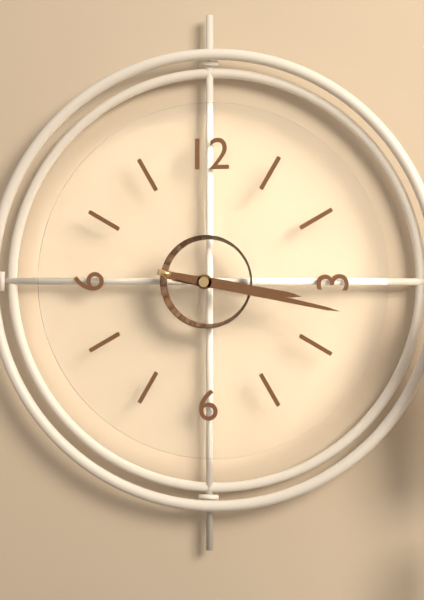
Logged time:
3h17
